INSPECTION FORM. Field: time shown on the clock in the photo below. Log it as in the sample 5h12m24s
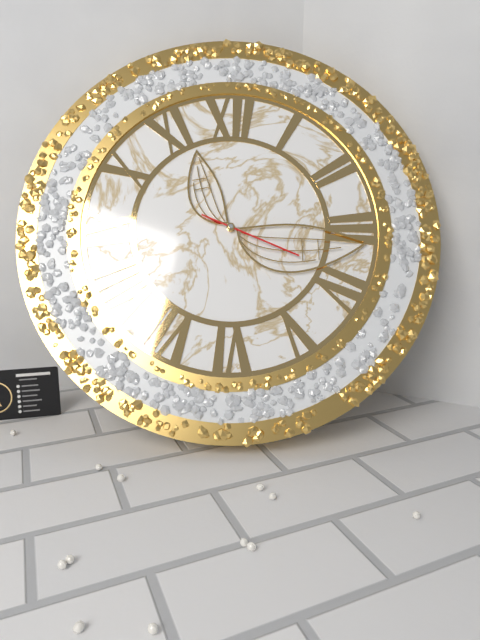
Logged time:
11h16m19s
